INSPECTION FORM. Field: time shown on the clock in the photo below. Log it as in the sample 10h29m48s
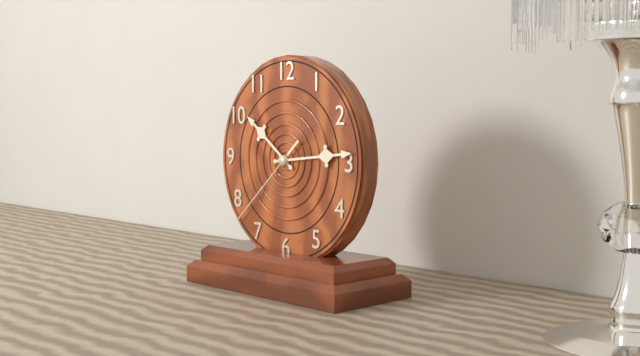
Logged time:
10h14m38s
